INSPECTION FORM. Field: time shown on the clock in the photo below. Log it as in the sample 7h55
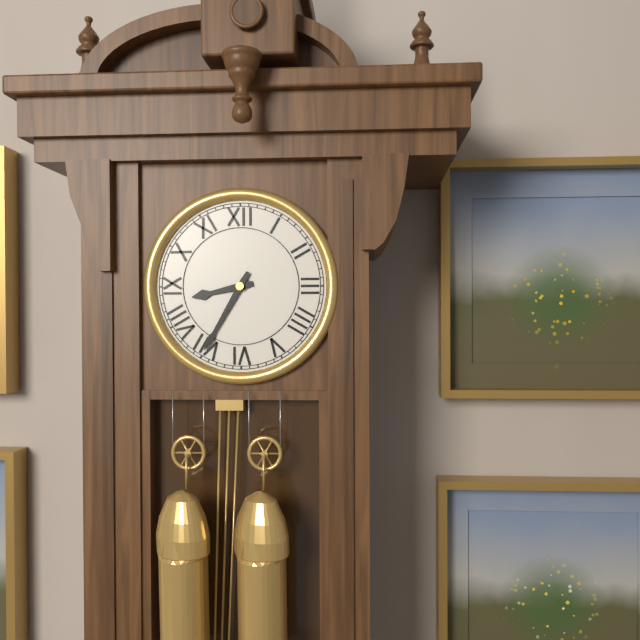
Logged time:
8h35
